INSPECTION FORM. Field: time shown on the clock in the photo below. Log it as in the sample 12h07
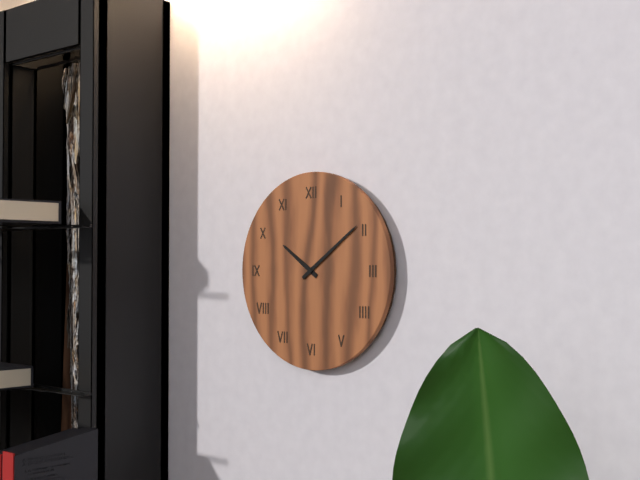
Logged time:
10h09
